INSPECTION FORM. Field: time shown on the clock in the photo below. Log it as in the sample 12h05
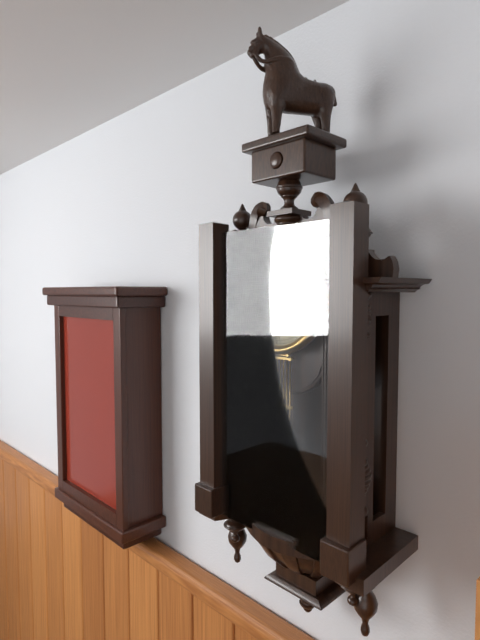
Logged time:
3h35
